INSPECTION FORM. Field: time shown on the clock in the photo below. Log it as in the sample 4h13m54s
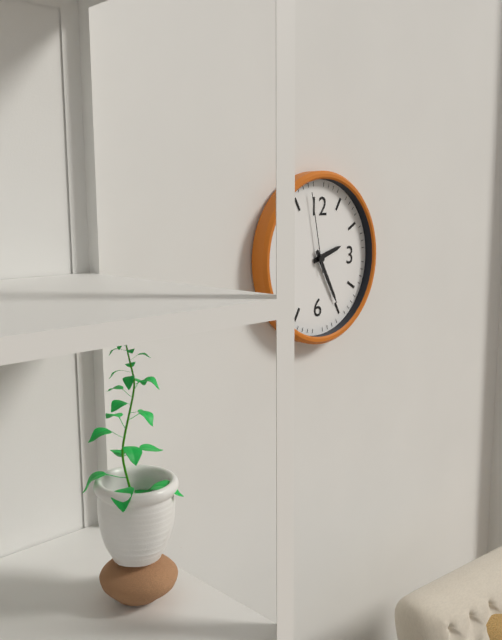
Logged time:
2h25m58s
